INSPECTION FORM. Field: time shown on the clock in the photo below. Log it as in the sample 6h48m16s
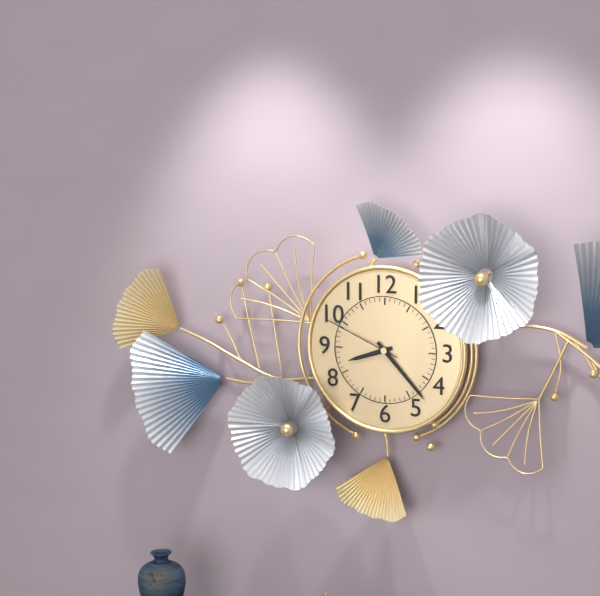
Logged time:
8h23m49s
